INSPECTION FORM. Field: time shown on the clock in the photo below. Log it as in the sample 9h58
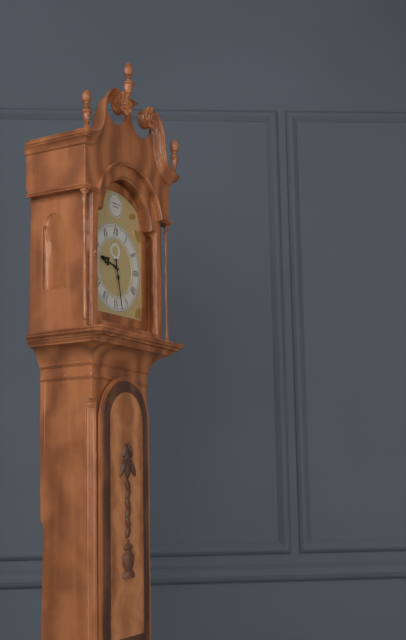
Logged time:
9h28
